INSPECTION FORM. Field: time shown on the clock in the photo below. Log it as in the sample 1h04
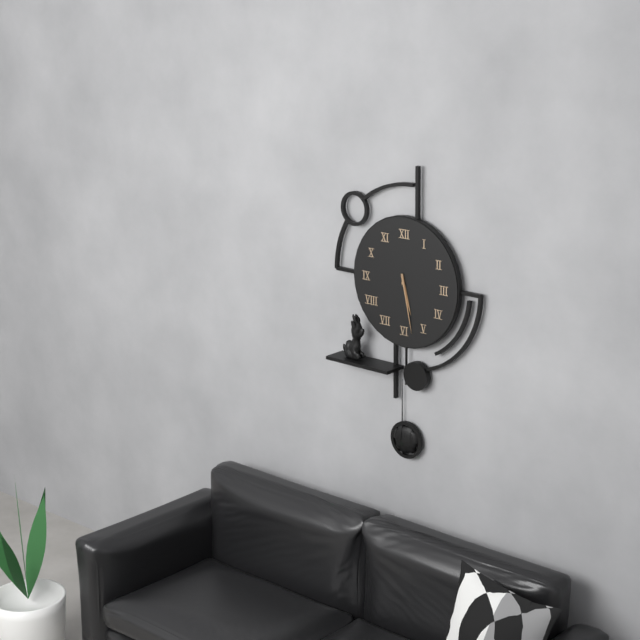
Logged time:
5h28
